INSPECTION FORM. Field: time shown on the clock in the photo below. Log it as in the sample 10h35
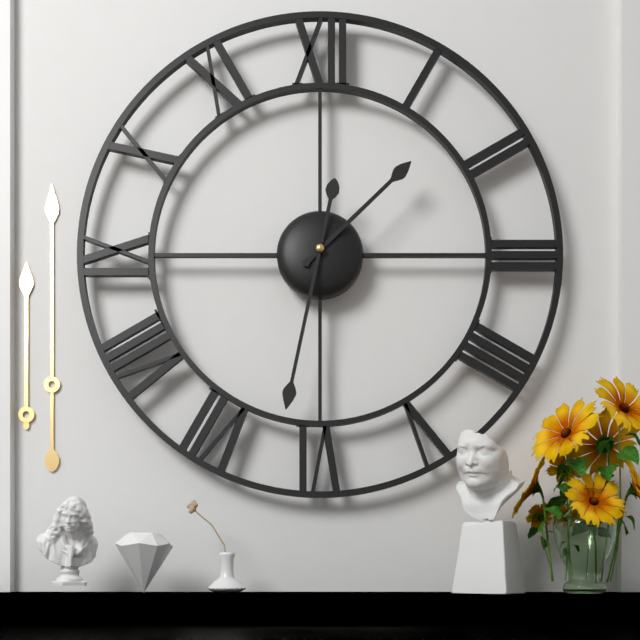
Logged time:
1h32
